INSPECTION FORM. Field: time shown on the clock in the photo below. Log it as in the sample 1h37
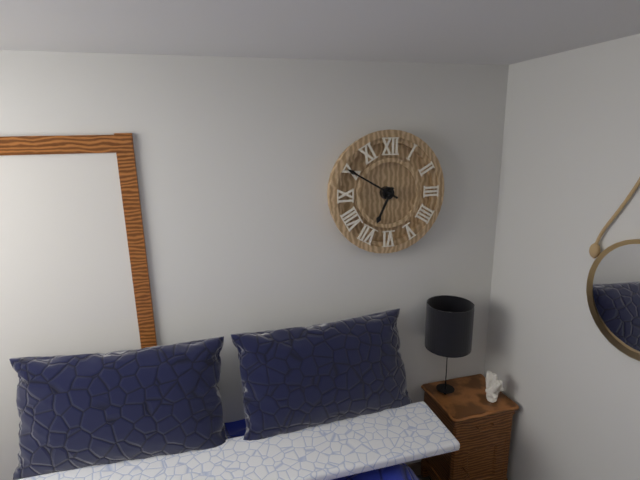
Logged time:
6h50
